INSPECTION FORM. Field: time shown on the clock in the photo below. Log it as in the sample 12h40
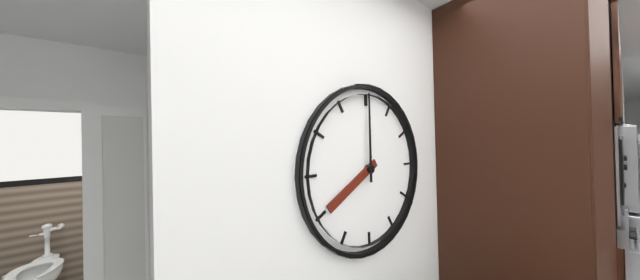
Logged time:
8h00
